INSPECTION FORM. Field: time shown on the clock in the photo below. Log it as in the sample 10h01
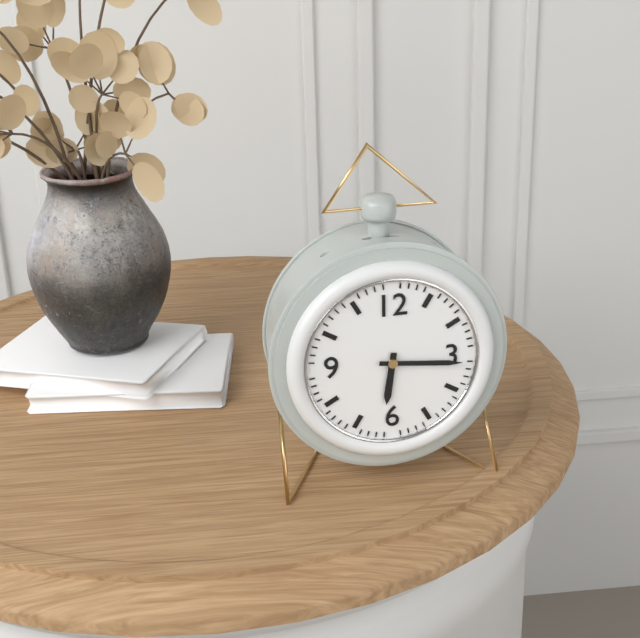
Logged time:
6h16
